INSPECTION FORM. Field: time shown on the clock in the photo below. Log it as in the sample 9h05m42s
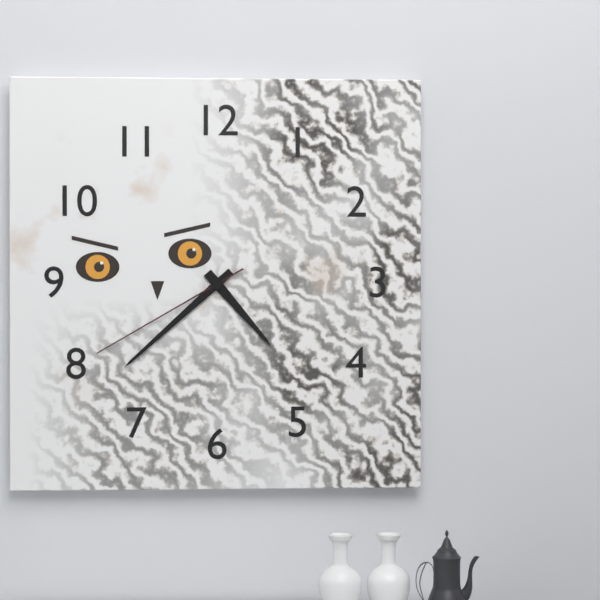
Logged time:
4h38m40s
